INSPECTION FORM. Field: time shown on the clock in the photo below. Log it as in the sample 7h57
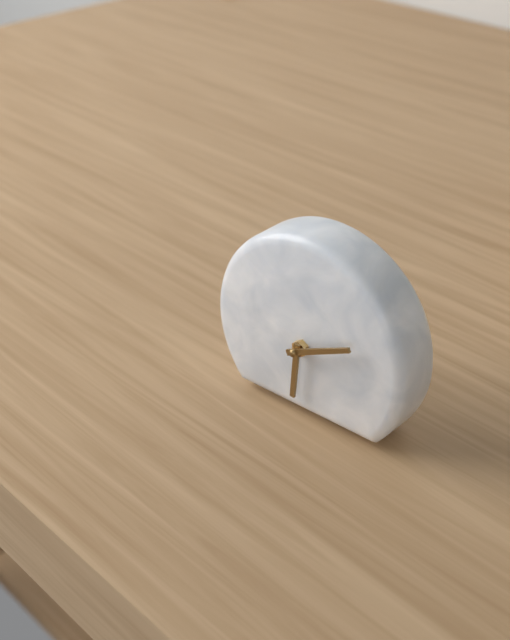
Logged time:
6h11
